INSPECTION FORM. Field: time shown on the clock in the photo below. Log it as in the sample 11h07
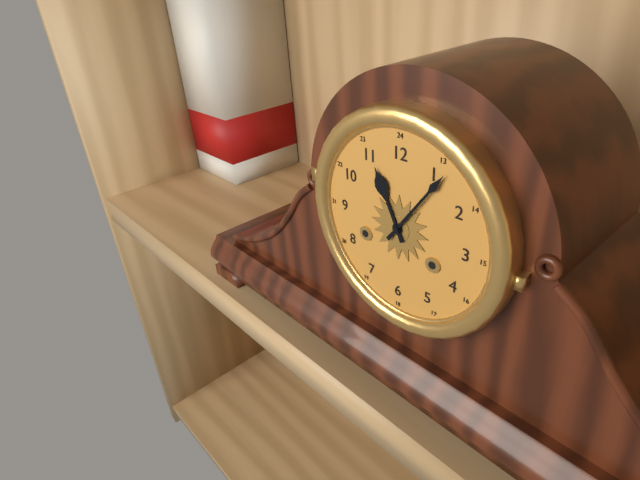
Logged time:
11h06
